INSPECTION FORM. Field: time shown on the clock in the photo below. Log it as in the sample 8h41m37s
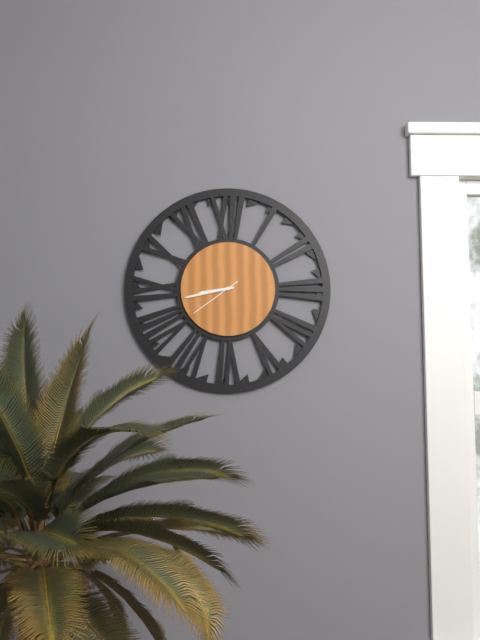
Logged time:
8h43m39s
